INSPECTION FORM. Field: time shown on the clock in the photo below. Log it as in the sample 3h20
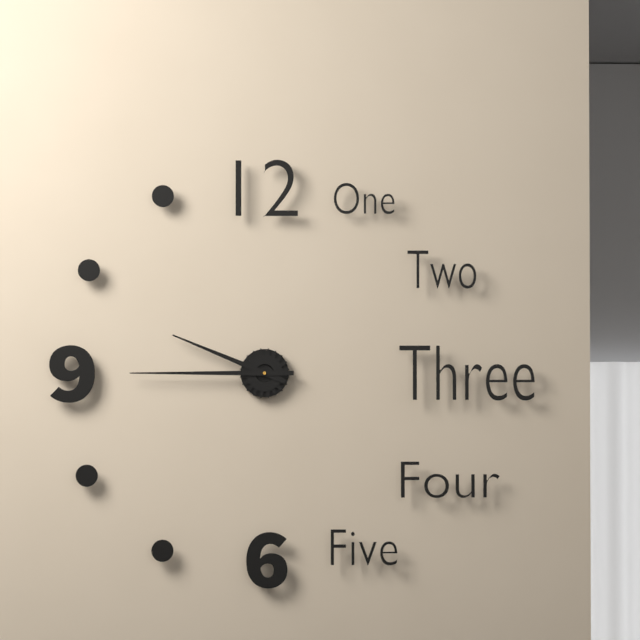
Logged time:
9h45
